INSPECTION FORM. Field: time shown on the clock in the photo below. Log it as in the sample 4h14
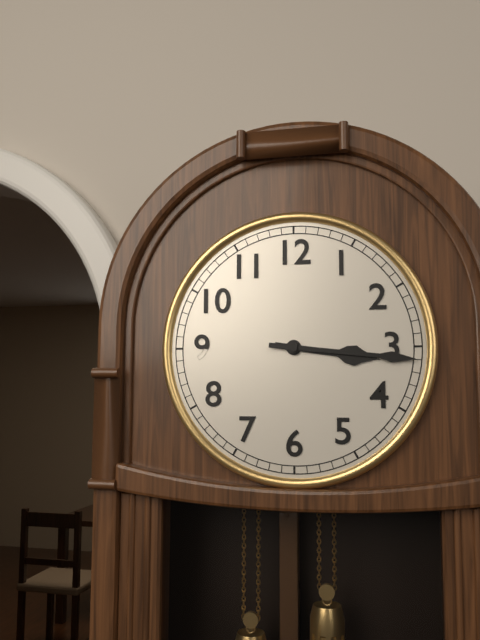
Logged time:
3h16
